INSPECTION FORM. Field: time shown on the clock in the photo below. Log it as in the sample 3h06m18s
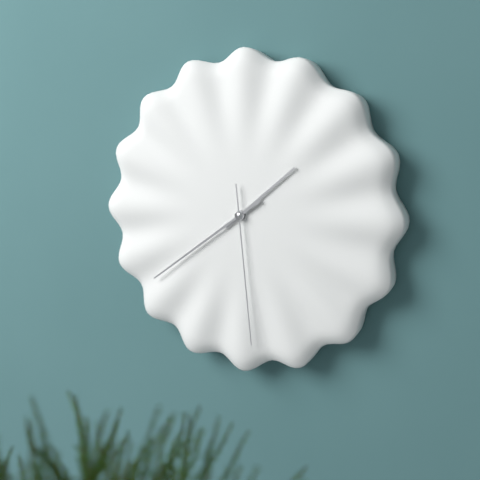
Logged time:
1h39m29s
